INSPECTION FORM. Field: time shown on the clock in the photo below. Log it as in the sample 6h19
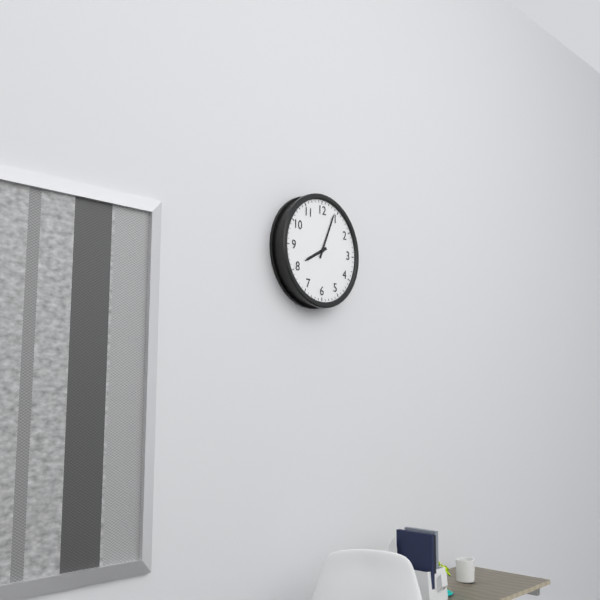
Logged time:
8h04
